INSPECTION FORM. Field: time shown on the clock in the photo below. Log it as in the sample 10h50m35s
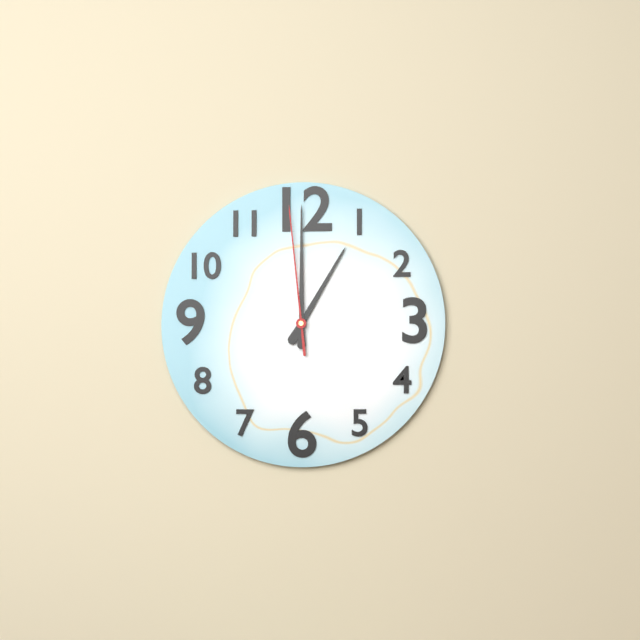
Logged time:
1h00m59s
